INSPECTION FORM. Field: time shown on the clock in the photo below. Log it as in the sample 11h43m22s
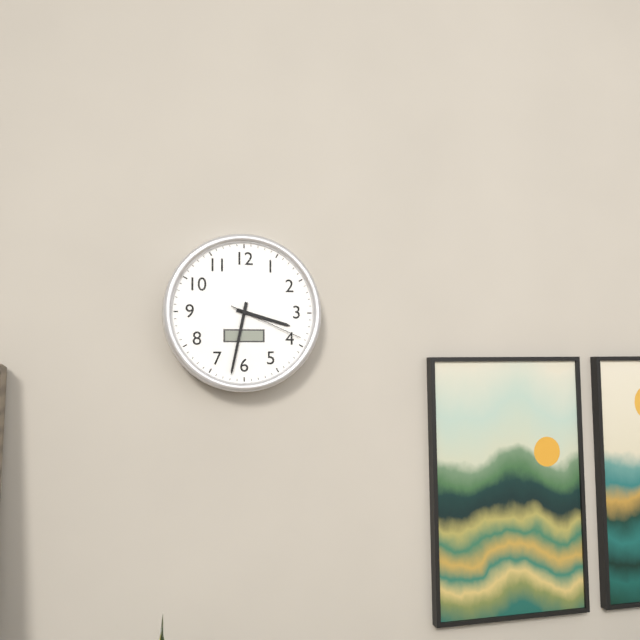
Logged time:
3h32m19s
